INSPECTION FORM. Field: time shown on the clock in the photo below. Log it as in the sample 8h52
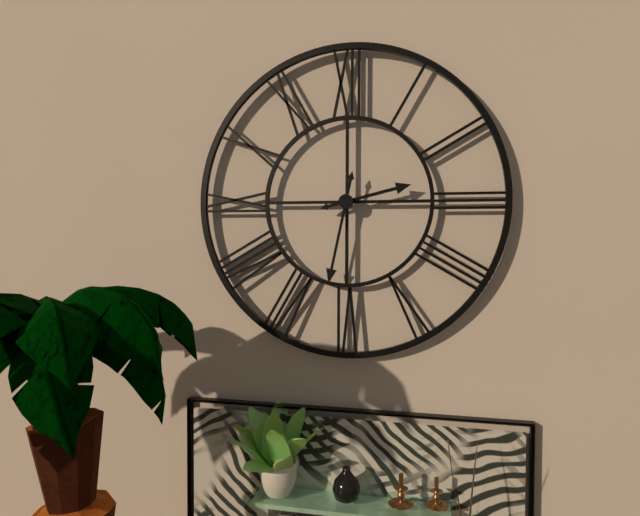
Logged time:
2h32
